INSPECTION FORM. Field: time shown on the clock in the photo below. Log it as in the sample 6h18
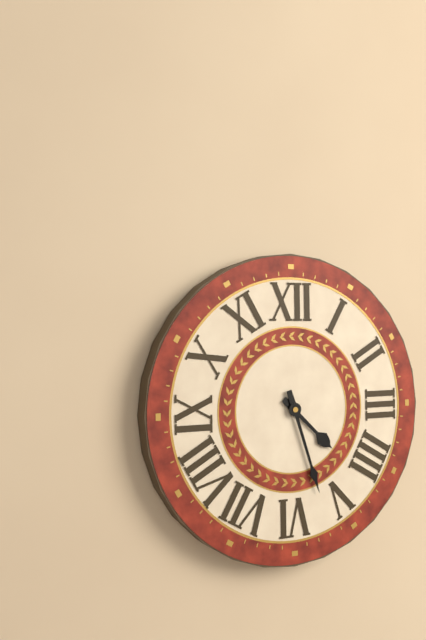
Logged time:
4h27
